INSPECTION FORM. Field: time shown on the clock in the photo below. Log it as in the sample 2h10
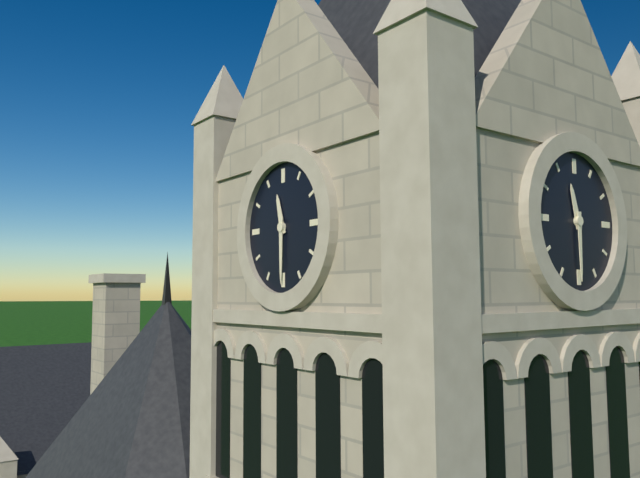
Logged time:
11h30
